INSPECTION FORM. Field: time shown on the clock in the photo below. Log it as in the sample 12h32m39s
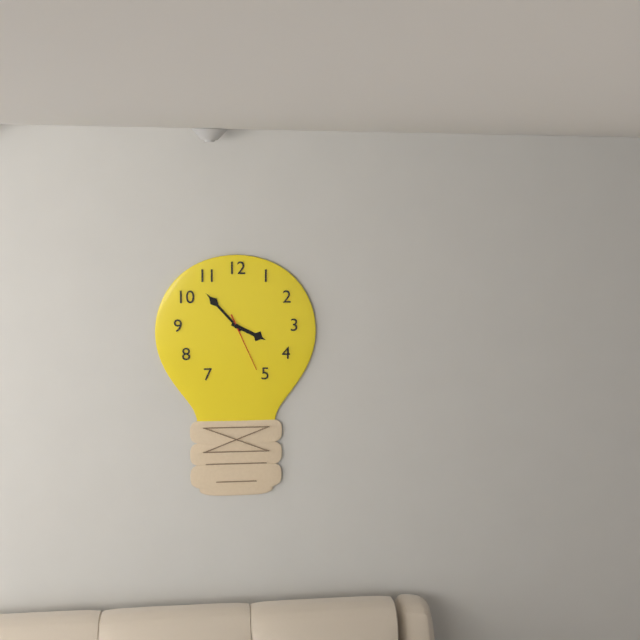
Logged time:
3h53m26s
